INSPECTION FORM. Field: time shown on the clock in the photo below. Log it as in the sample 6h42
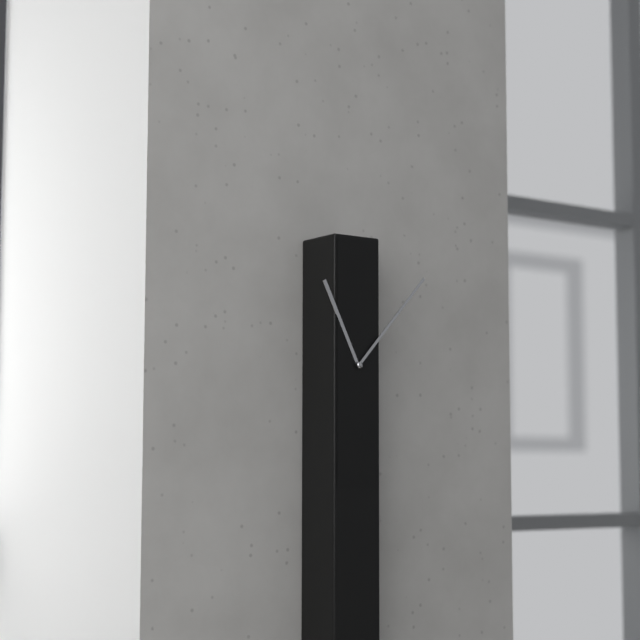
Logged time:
11h07
